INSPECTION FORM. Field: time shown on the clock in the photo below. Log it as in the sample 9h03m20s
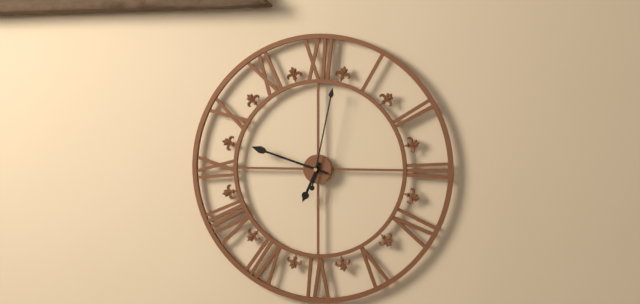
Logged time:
6h48m02s
